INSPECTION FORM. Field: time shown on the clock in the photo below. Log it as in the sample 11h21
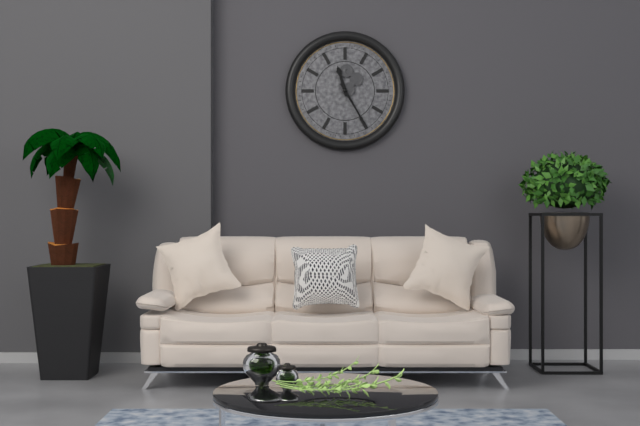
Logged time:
11h25
